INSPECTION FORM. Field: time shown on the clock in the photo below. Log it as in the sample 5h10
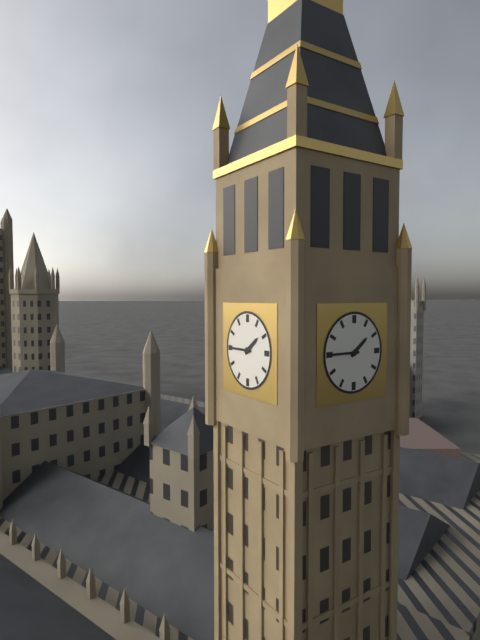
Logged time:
1h45
